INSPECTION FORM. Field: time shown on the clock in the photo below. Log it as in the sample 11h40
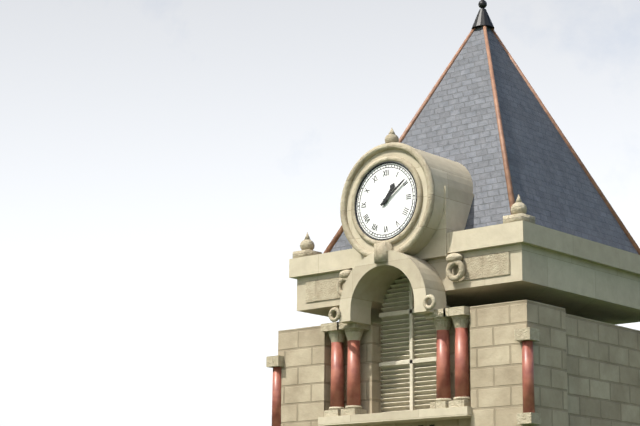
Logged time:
1h09
